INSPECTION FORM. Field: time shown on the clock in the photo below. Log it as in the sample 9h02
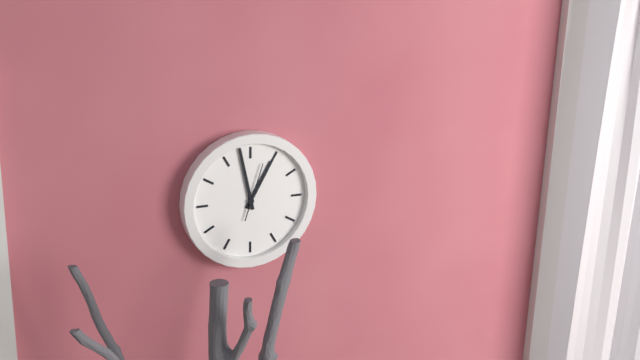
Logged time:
12h58
